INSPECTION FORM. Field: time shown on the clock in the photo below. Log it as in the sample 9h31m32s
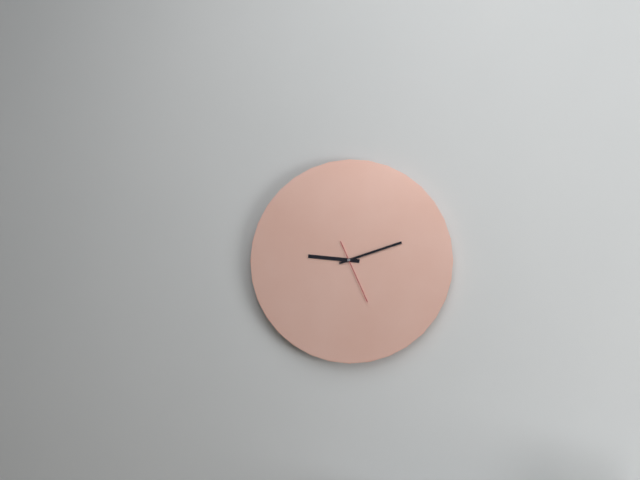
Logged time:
9h12m26s
